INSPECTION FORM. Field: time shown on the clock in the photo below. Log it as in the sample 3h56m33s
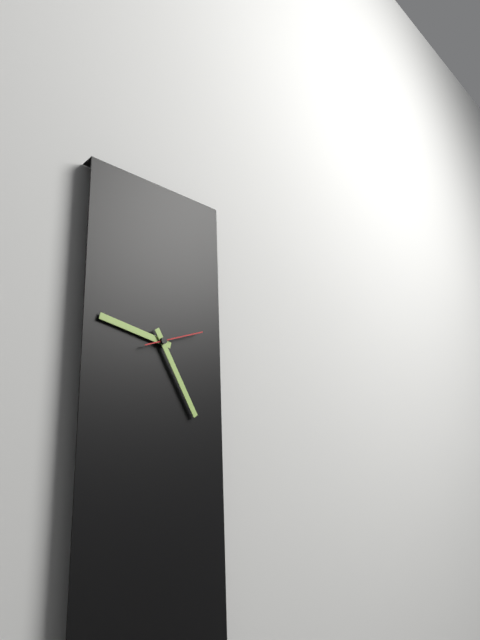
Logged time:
9h25m12s
